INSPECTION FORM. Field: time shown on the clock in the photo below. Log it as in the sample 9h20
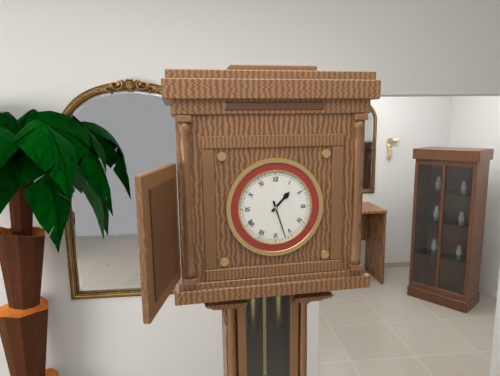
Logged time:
1h27
